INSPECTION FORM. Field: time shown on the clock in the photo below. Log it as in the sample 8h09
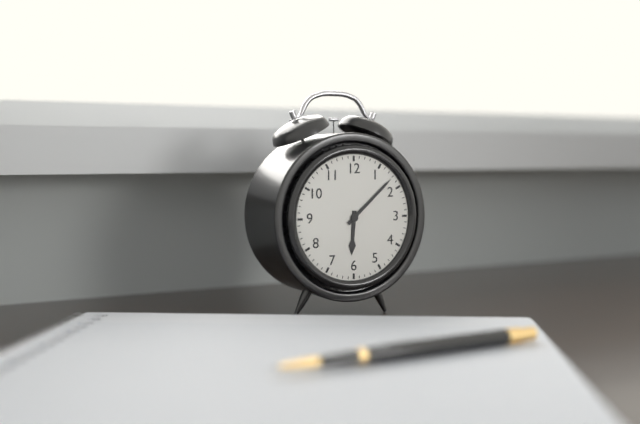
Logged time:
6h08
